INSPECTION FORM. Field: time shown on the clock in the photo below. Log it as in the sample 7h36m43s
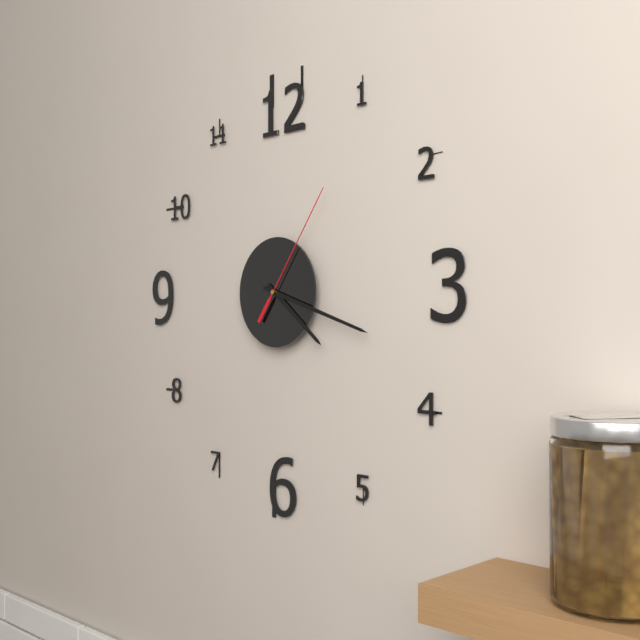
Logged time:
4h18m06s
